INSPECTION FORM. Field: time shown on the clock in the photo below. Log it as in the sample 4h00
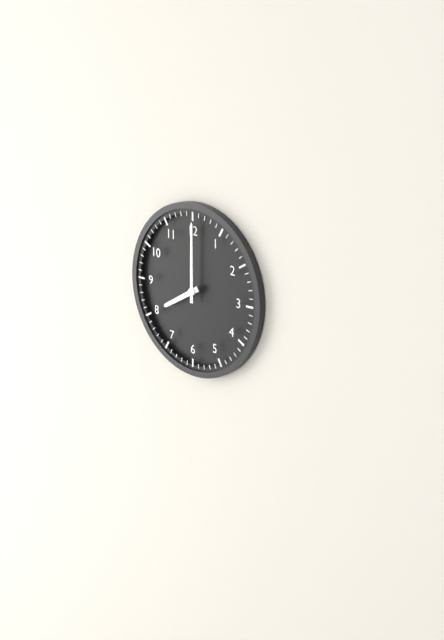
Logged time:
8h00
